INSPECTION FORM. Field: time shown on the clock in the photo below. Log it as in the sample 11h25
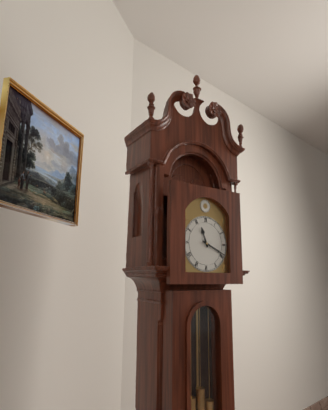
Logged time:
11h19
